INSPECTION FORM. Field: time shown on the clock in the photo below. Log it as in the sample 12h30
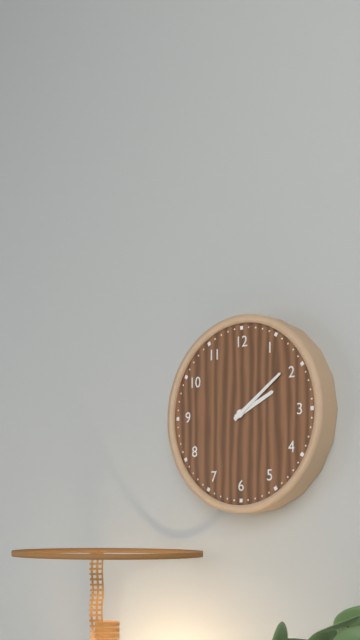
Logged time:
2h09
